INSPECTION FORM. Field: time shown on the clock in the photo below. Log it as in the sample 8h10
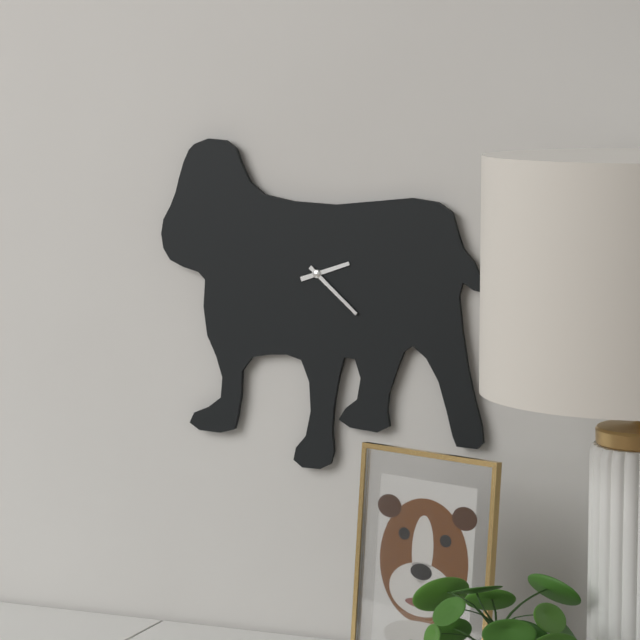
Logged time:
2h22
